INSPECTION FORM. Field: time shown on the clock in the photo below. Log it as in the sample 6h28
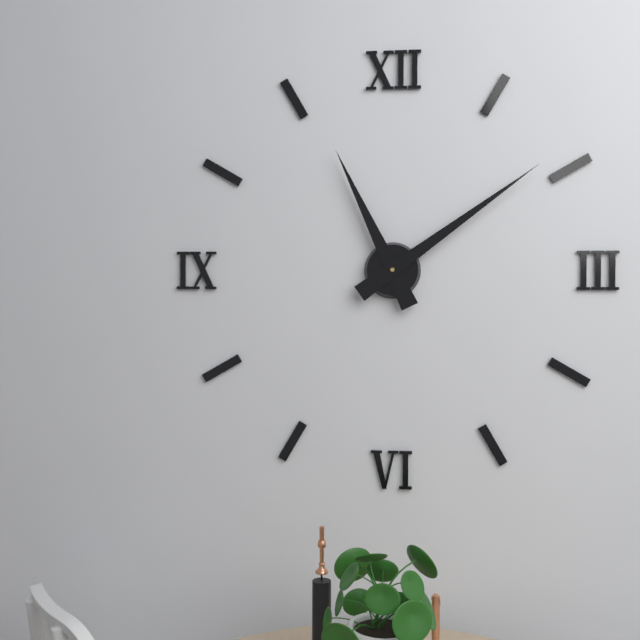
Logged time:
11h09
